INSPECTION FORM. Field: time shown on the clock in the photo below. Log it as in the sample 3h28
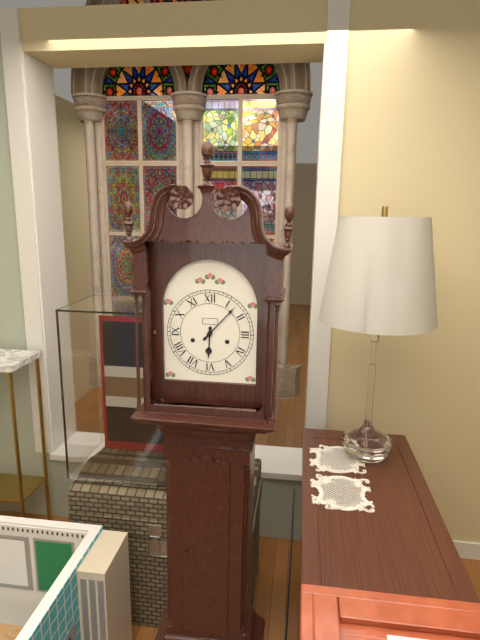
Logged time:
6h07
